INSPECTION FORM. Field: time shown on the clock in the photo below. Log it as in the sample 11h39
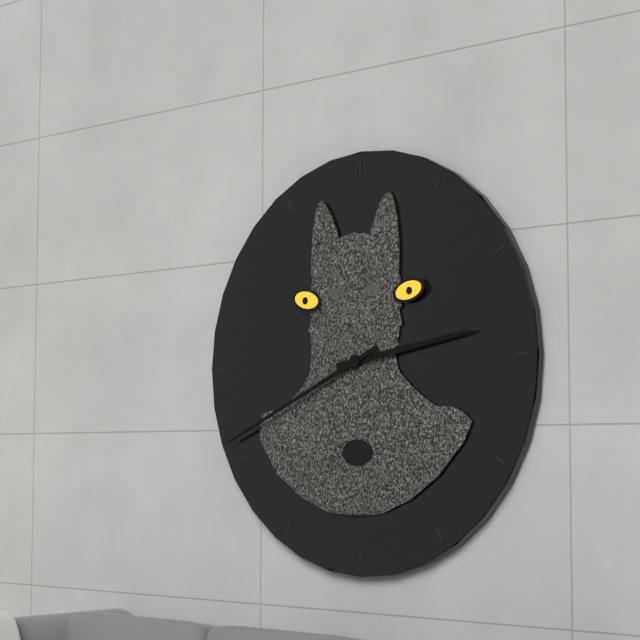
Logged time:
2h41
